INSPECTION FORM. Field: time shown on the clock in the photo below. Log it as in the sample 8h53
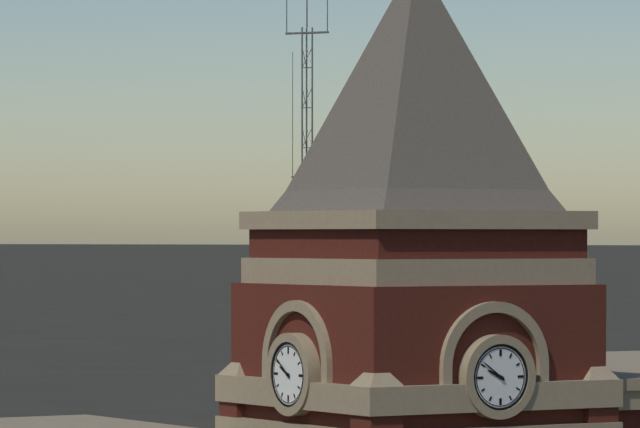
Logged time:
9h51
